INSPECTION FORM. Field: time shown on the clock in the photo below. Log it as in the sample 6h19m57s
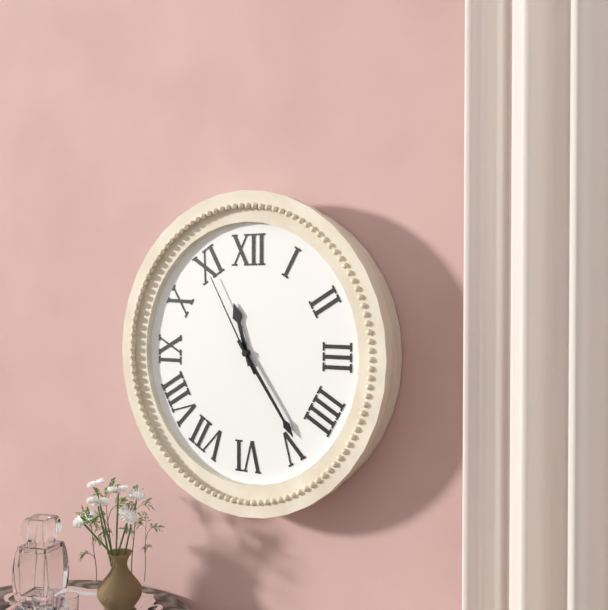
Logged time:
11h24m55s
